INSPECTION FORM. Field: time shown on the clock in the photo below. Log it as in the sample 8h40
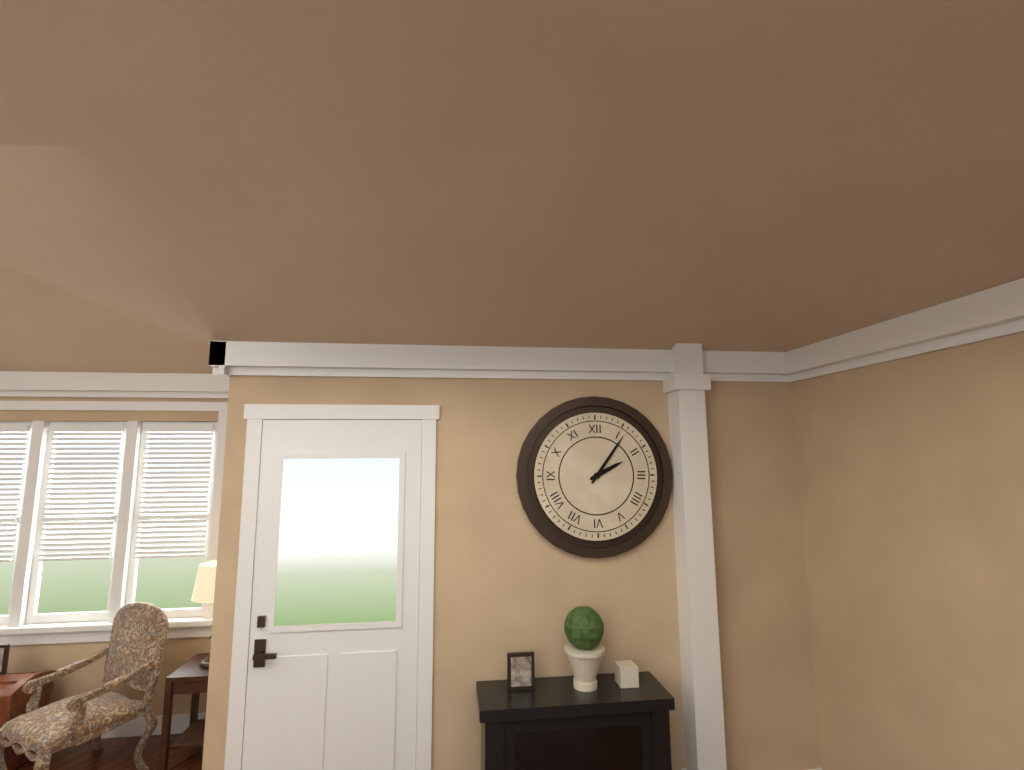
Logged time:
2h06
